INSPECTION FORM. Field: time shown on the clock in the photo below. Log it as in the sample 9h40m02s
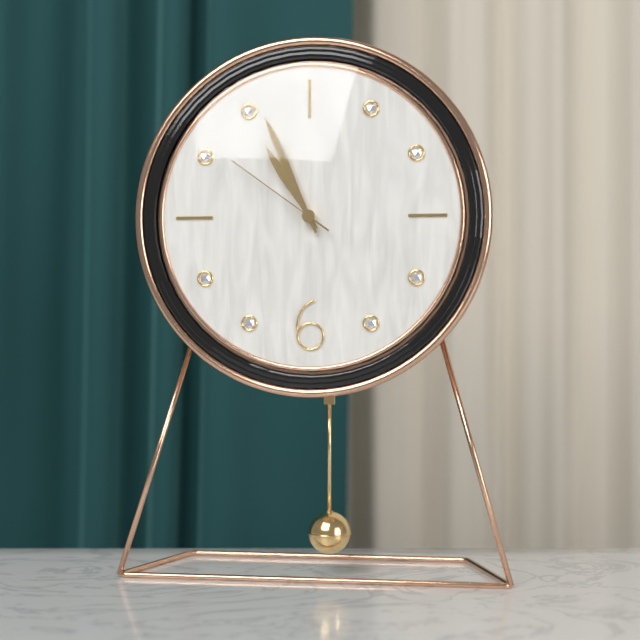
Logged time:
10h56m51s
